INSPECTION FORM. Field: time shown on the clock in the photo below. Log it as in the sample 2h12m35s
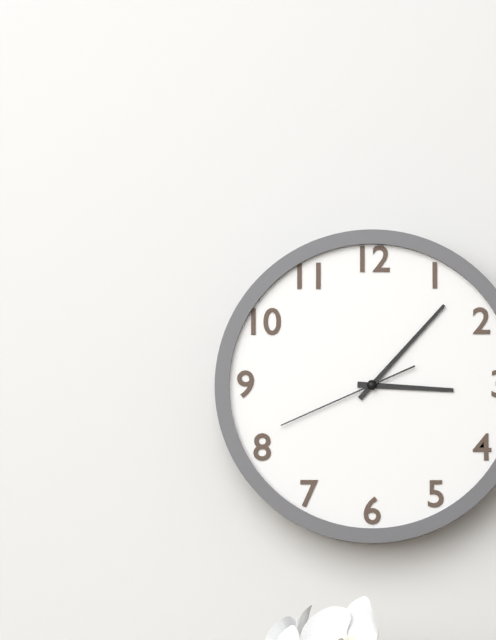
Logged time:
3h07m41s
